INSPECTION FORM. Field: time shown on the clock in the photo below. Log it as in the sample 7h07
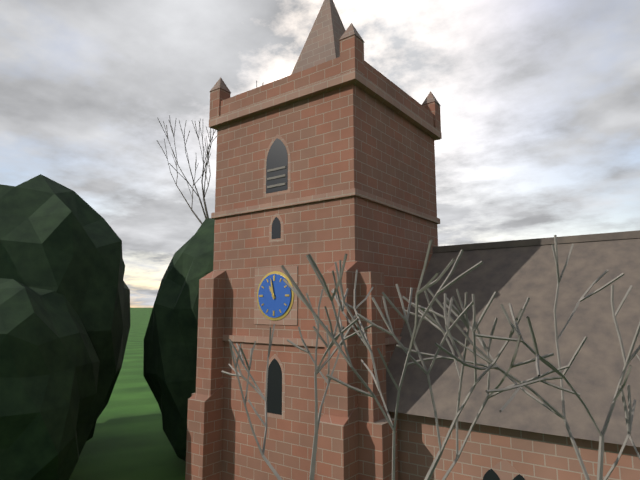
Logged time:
10h58
